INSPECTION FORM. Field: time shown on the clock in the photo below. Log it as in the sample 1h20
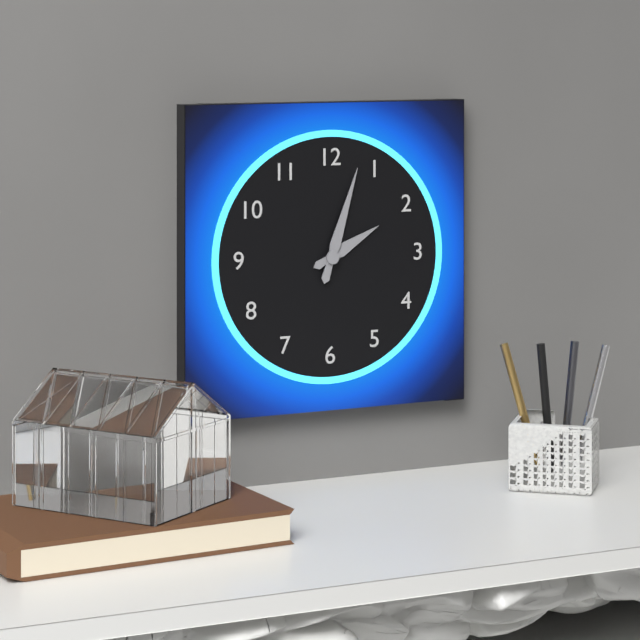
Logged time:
2h03
